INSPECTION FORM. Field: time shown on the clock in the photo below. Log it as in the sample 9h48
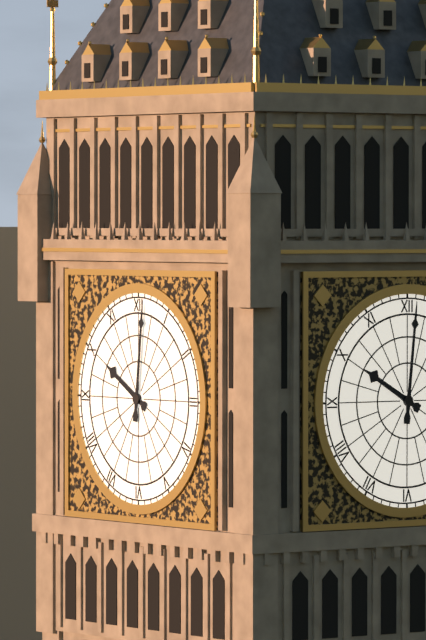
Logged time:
10h01
